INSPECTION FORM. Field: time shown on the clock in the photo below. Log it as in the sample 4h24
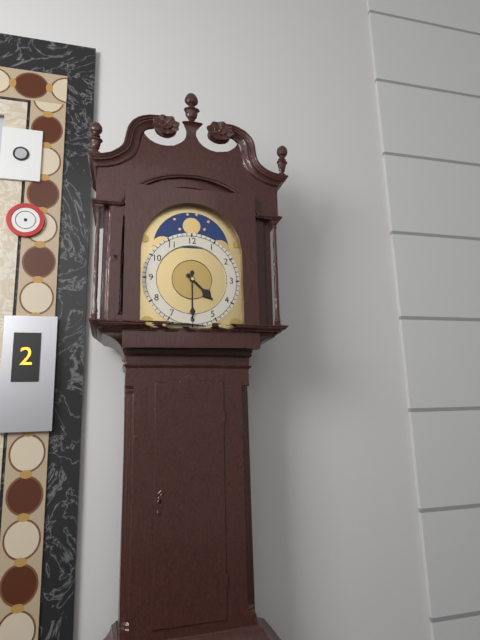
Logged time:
4h30
